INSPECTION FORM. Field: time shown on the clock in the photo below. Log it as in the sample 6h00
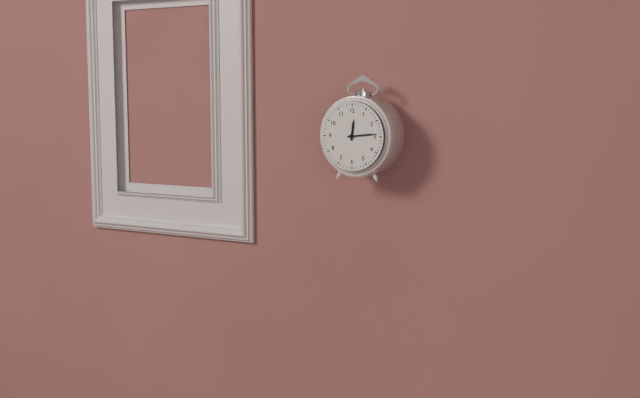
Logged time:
12h14
